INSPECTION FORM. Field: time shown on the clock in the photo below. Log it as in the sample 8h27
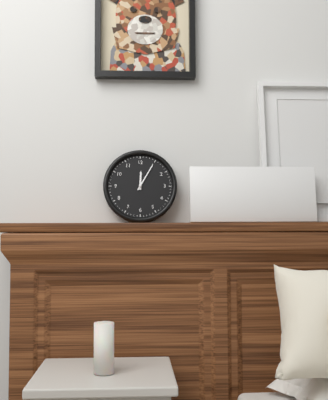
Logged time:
12h05
